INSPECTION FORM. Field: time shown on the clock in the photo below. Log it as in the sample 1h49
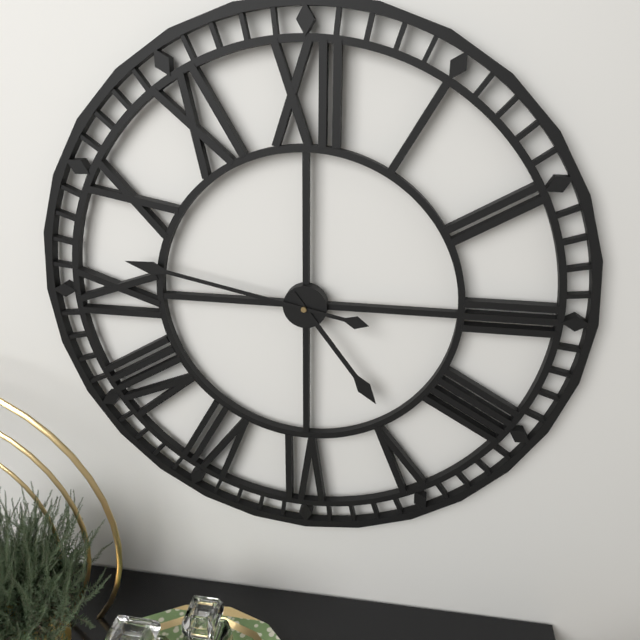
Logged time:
4h47
